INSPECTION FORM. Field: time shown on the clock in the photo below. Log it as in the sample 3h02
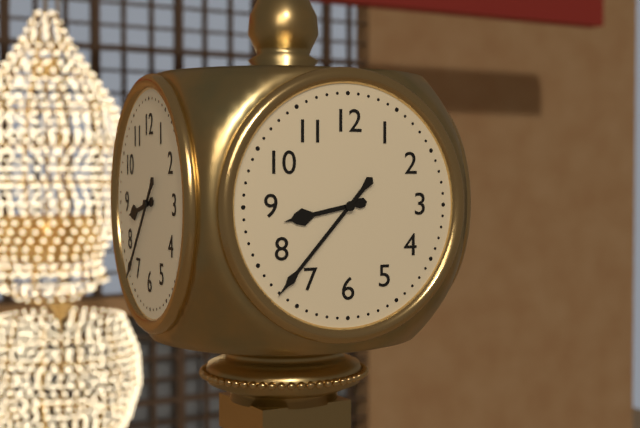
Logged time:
8h37
